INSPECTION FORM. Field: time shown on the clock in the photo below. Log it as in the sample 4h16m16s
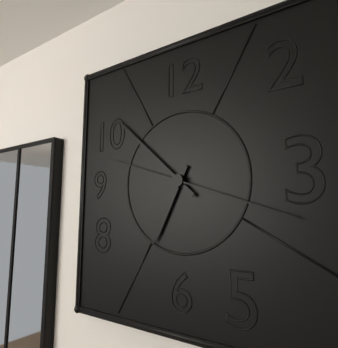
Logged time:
6h52m18s
